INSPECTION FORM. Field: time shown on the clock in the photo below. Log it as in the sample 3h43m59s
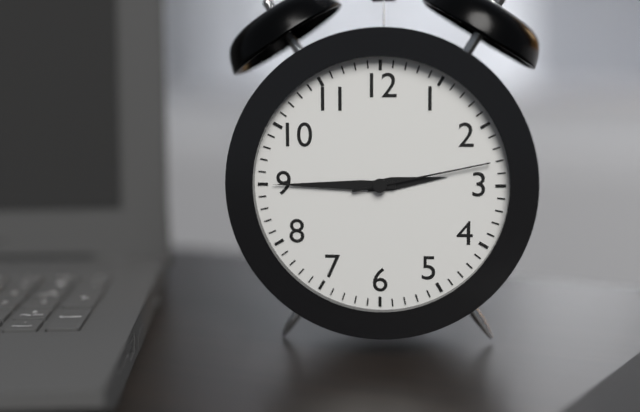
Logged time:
2h45m13s
